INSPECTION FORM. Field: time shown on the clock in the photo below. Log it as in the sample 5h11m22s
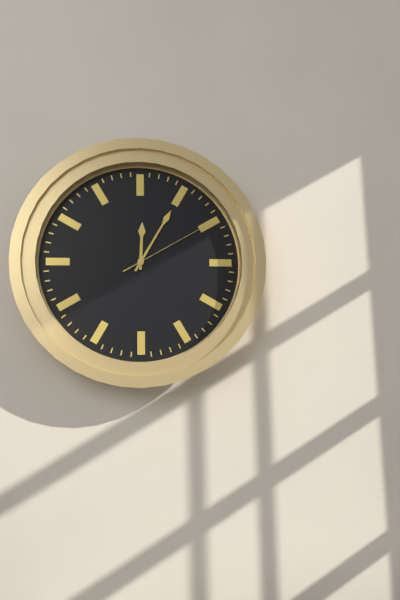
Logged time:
12h05m10s
